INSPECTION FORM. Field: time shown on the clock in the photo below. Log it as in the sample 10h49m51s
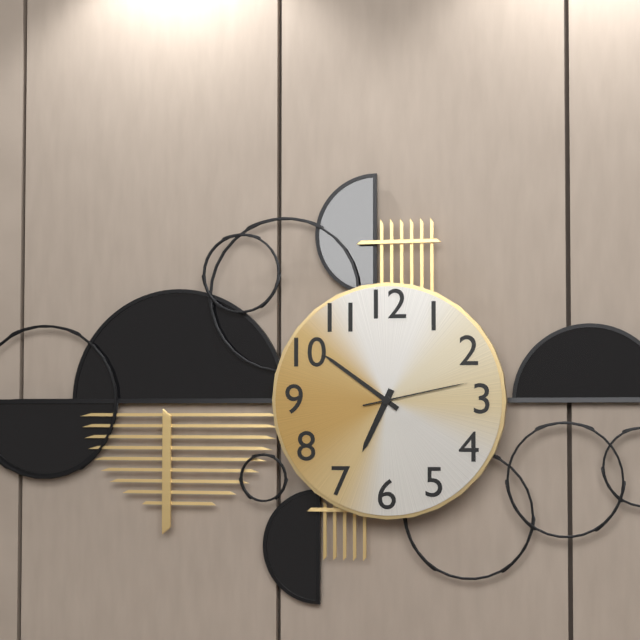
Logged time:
6h51m13s
